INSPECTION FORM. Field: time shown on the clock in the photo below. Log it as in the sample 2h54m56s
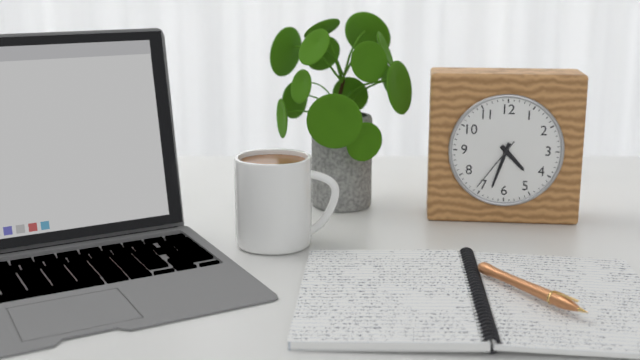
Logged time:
4h33m36s
